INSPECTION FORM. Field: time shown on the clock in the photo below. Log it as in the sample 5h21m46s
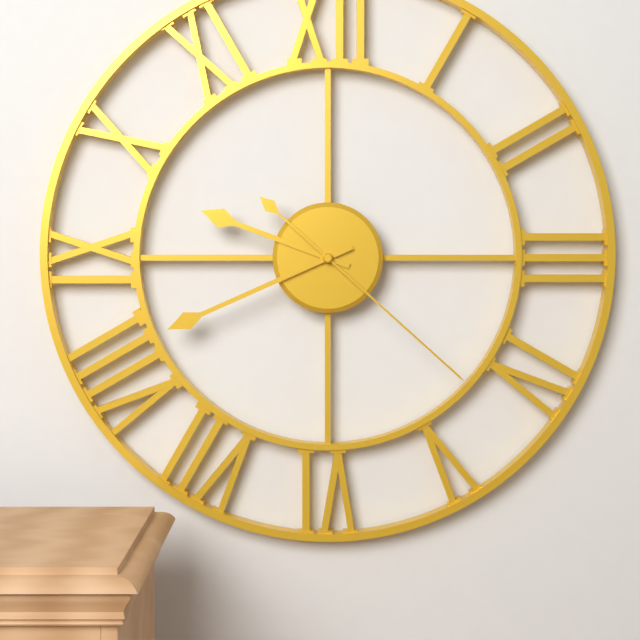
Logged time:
9h41m22s
